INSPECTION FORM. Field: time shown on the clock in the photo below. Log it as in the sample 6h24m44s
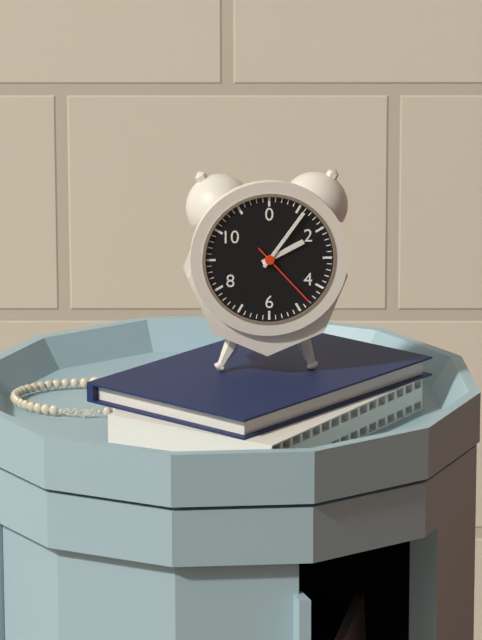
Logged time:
2h06m23s
